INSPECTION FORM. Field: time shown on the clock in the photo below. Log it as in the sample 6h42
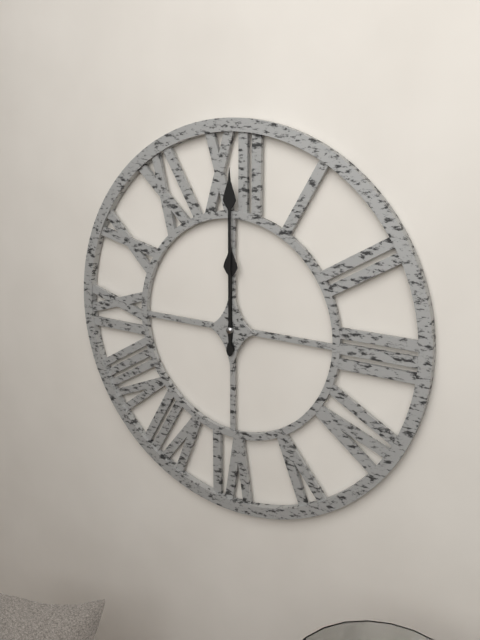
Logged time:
12h00
